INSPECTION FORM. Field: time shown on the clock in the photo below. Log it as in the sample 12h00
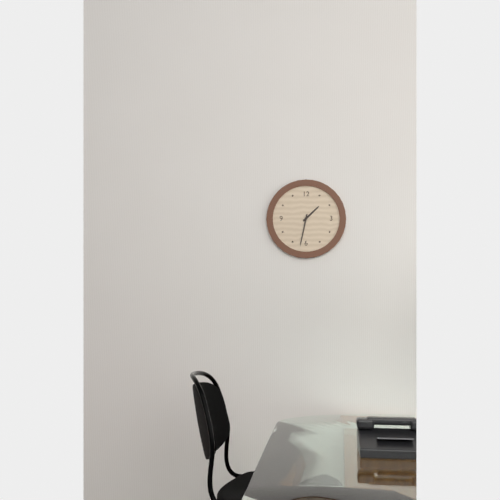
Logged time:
1h32
